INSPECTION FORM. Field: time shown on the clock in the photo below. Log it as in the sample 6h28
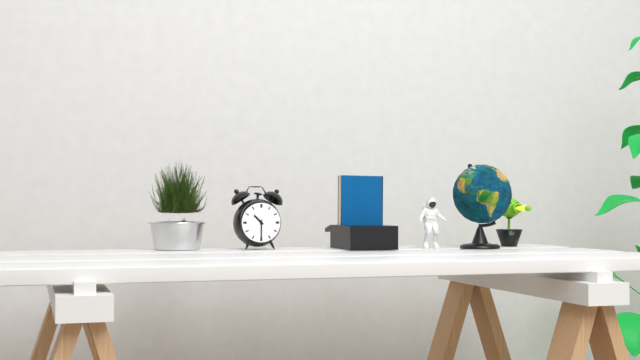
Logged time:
10h30
